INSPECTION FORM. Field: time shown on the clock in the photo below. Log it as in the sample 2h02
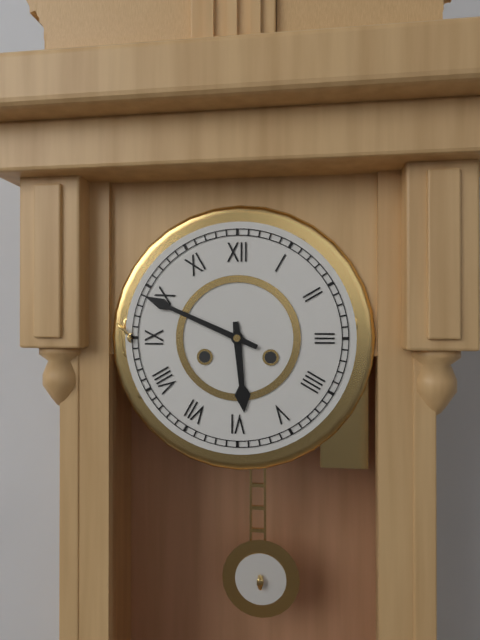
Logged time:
5h49
